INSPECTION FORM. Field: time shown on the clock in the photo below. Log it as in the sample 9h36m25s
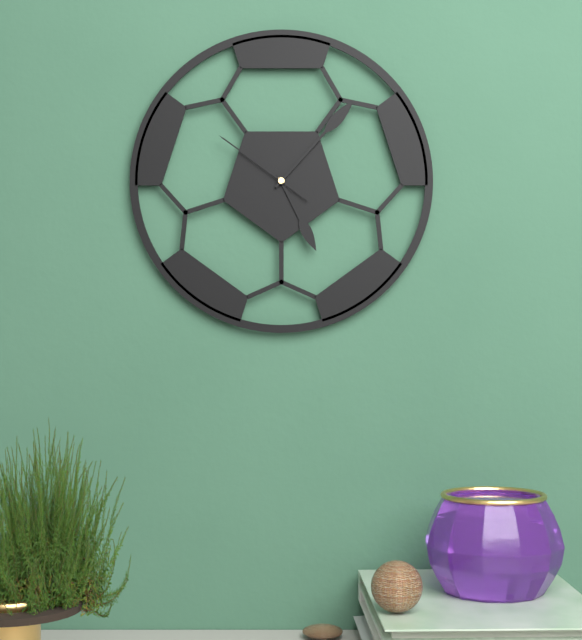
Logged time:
5h07m51s
